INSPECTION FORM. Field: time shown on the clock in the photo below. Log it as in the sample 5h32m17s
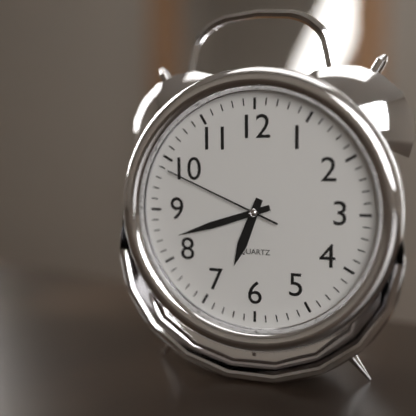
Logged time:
6h42m49s
